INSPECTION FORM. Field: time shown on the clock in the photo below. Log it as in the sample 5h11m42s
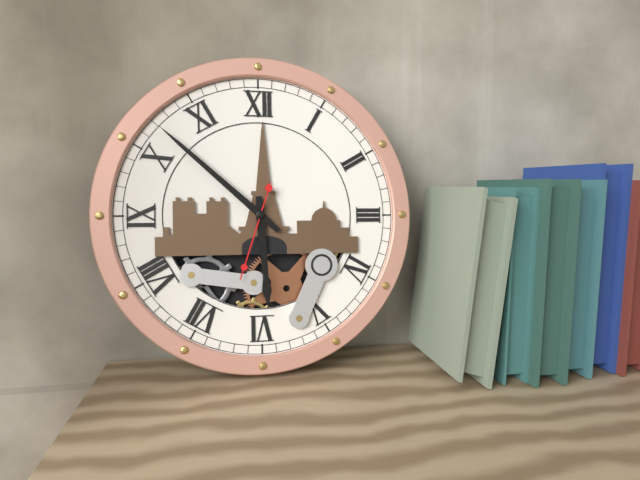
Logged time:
5h52m33s
